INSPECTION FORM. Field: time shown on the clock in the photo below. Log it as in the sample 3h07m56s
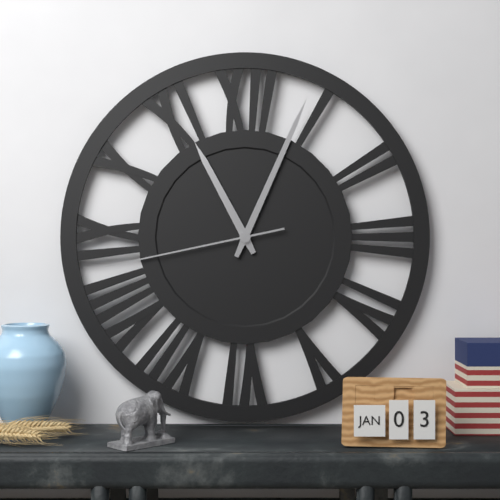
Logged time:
11h04m43s
